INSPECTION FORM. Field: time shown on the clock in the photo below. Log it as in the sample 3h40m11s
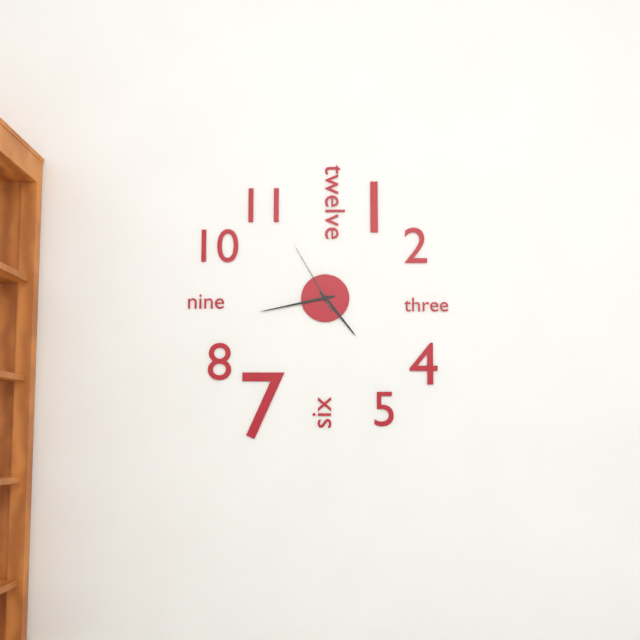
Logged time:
4h43m55s
